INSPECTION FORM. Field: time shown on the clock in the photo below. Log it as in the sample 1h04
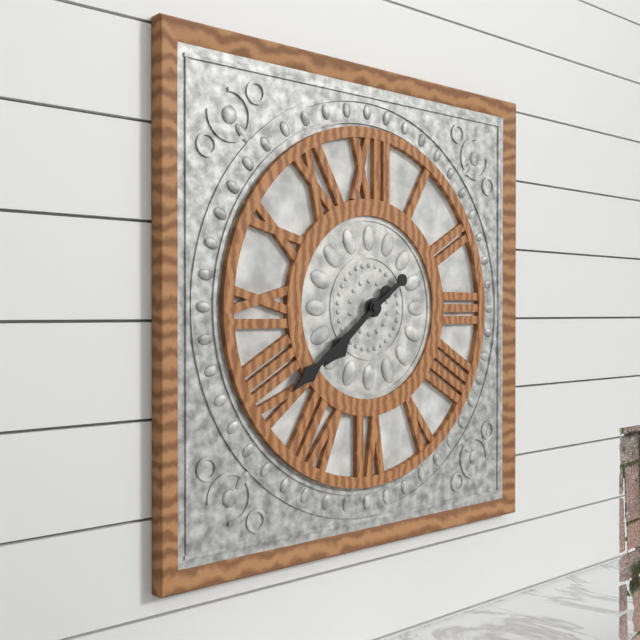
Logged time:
7h39
